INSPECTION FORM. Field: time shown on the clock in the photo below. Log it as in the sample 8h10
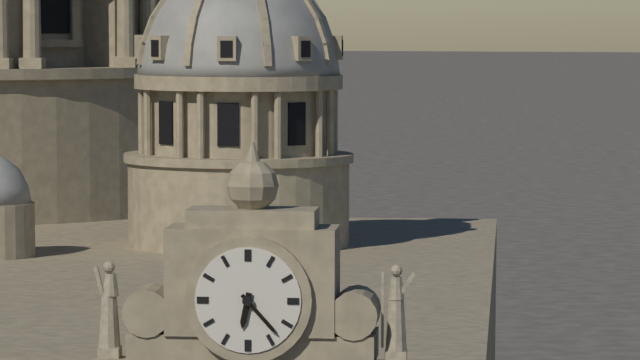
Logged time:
6h23
